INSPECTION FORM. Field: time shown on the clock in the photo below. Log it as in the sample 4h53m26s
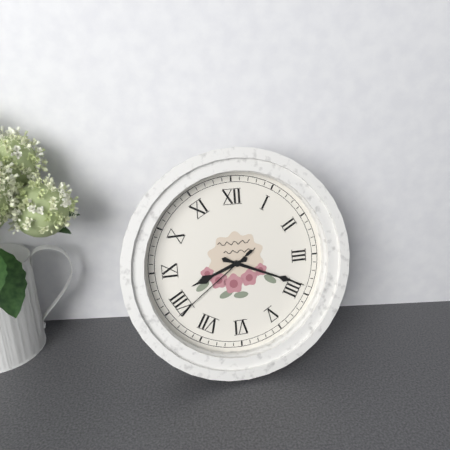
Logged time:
8h19m39s
